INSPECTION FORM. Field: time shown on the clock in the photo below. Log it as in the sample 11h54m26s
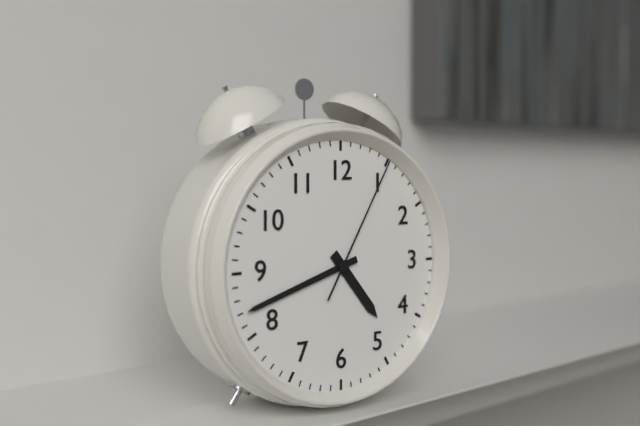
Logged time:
4h42m05s
